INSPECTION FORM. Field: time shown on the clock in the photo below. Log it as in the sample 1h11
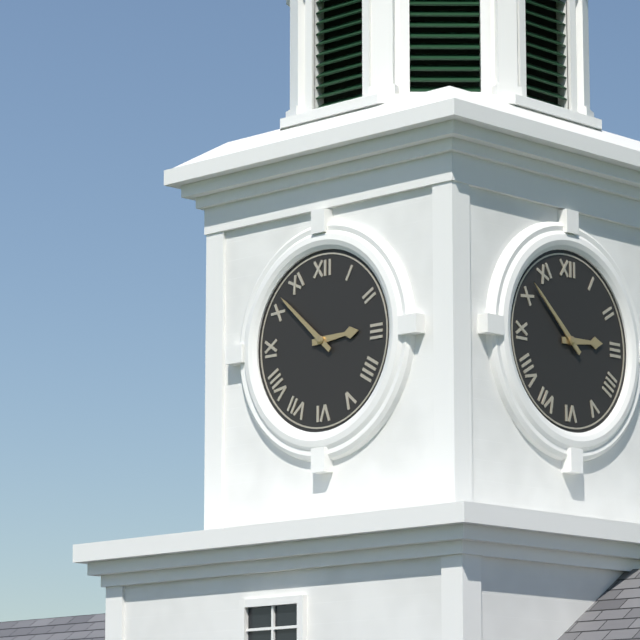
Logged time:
2h52
